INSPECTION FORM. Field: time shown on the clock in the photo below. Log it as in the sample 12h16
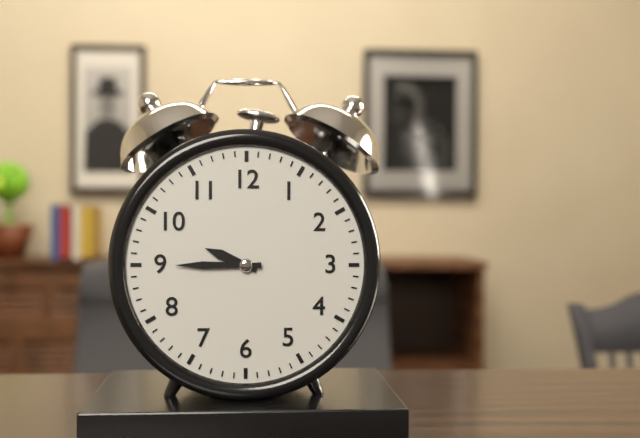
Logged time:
9h45
